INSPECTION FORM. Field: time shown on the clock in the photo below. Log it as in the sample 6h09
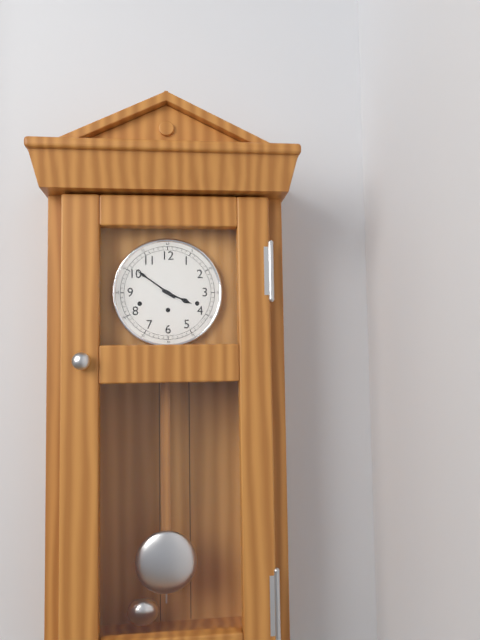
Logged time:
3h51
